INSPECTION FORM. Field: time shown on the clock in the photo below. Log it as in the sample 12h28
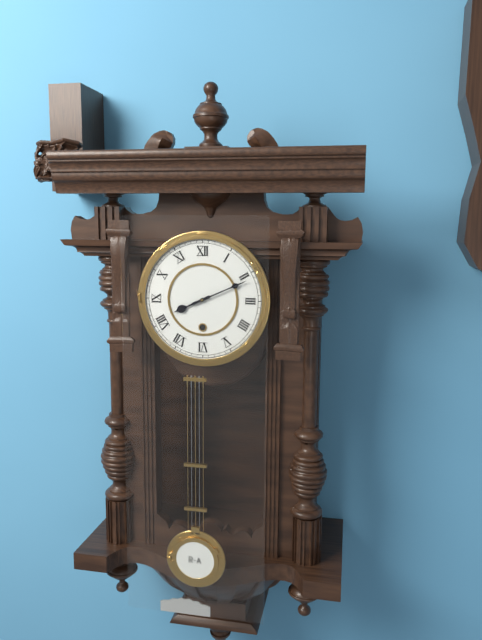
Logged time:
8h11
